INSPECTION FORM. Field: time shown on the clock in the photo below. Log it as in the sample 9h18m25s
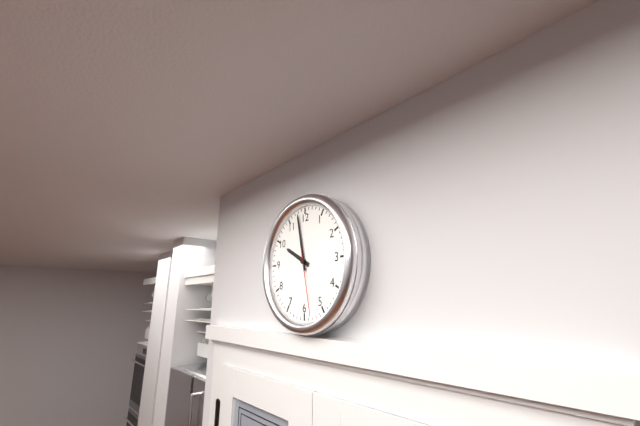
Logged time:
9h58m28s
